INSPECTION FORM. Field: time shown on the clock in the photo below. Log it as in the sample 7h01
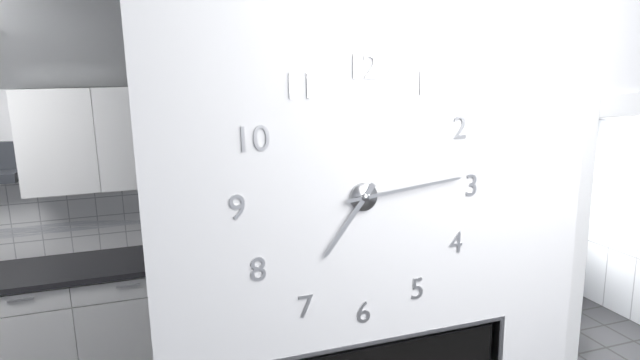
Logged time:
7h14
